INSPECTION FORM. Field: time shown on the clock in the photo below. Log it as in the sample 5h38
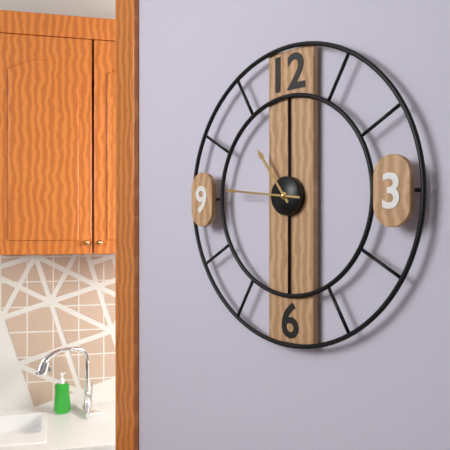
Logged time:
10h46
